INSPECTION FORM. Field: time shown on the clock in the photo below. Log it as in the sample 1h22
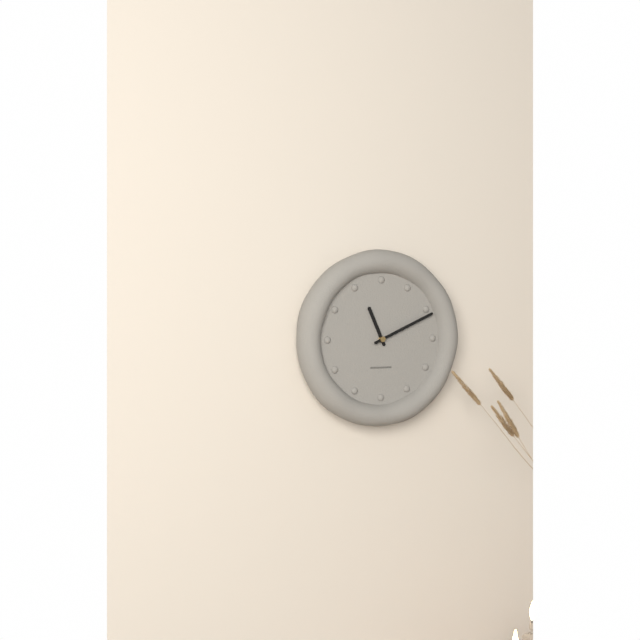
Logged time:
11h11
